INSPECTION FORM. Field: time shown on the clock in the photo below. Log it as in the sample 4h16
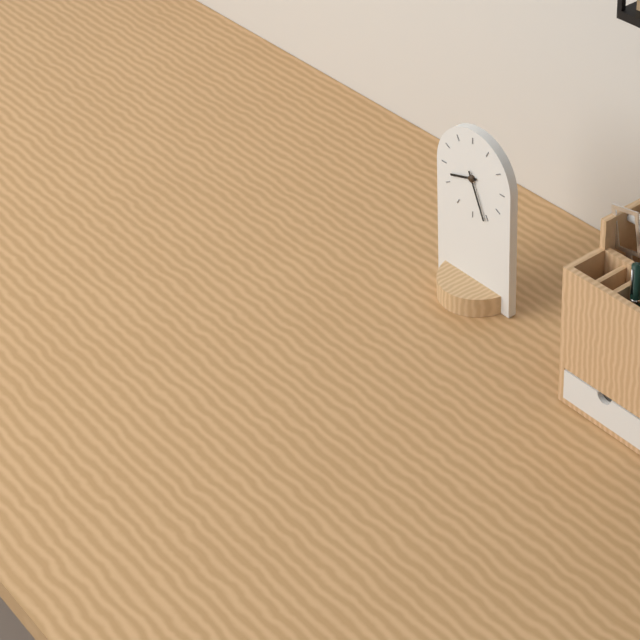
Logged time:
8h26
